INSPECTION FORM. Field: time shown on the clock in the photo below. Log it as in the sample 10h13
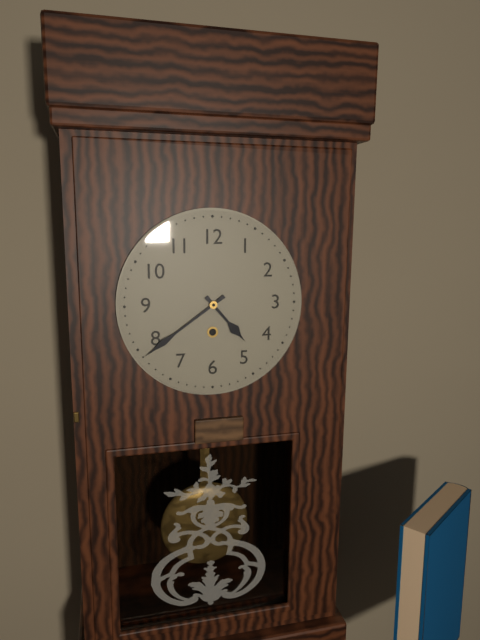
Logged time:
4h39
